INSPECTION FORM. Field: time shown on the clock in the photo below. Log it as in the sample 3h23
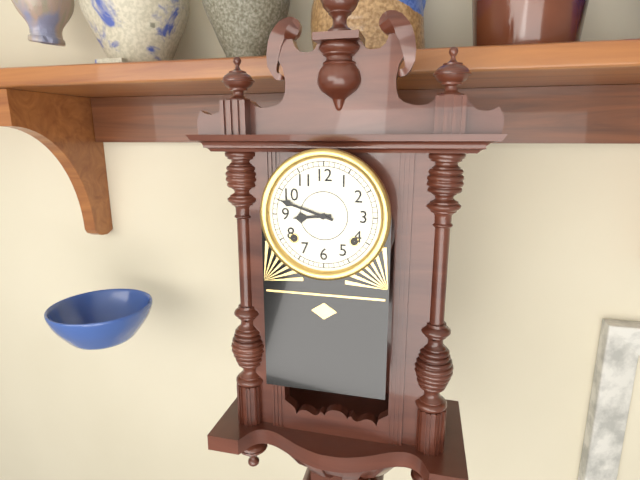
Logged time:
8h48
